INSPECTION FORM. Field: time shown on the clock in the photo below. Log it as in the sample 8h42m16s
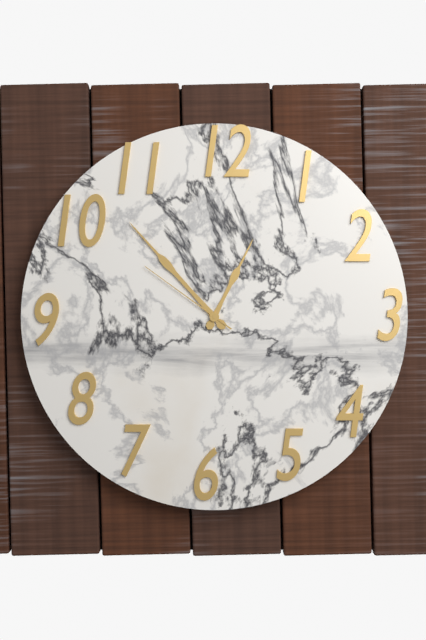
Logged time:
12h53m51s
